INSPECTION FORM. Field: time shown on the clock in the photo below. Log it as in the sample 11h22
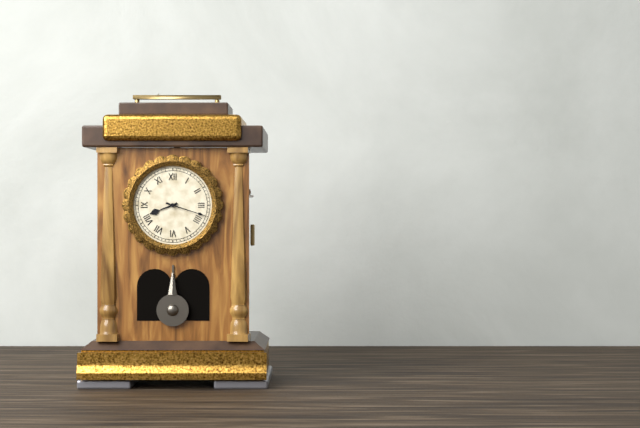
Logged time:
8h18
